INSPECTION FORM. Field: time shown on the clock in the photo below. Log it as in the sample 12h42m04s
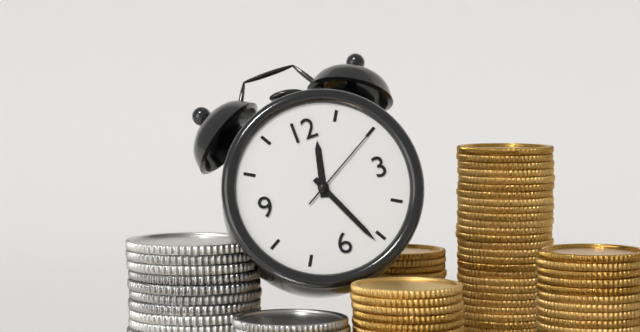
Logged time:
12h26m10s
